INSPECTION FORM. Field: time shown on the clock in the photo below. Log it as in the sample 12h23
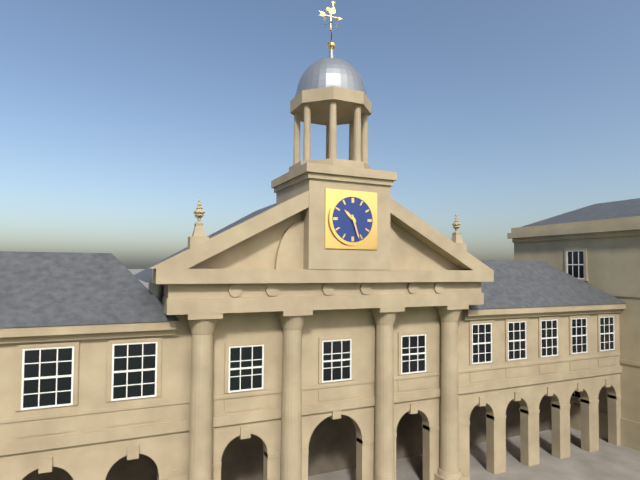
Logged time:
10h27
